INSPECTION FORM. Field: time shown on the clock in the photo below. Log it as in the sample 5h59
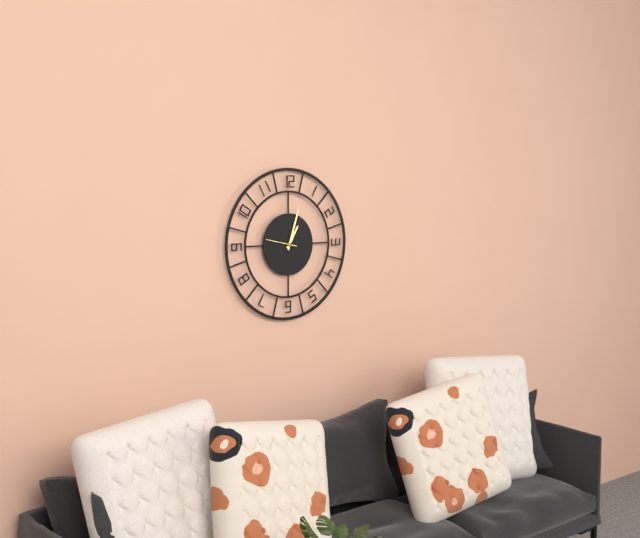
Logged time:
1h03
